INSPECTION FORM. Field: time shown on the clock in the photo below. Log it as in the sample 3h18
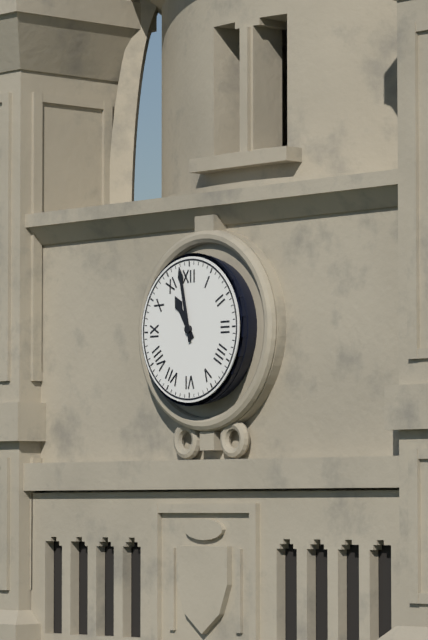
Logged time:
10h58
